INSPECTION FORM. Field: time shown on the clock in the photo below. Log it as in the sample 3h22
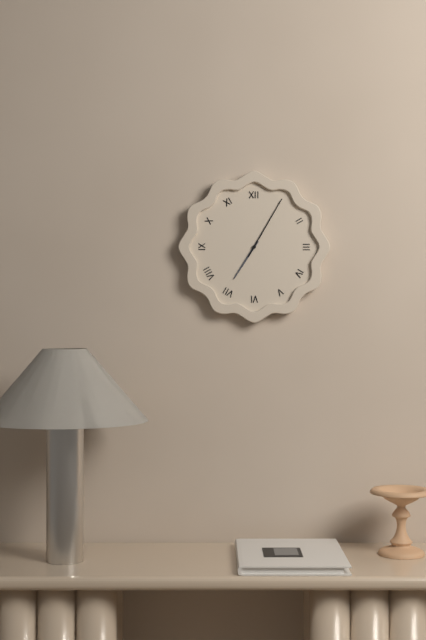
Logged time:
7h05
